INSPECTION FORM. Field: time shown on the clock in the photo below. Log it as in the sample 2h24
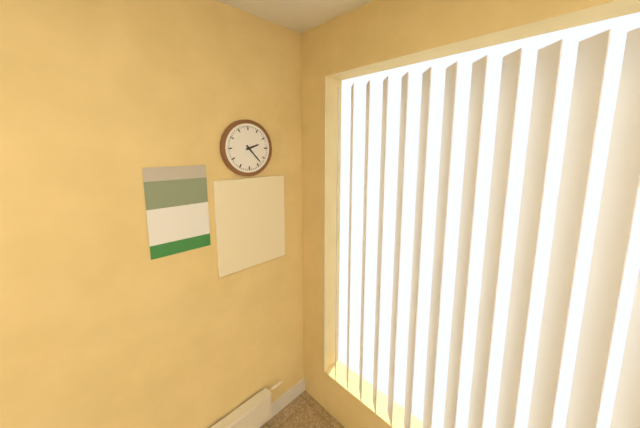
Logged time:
2h23
